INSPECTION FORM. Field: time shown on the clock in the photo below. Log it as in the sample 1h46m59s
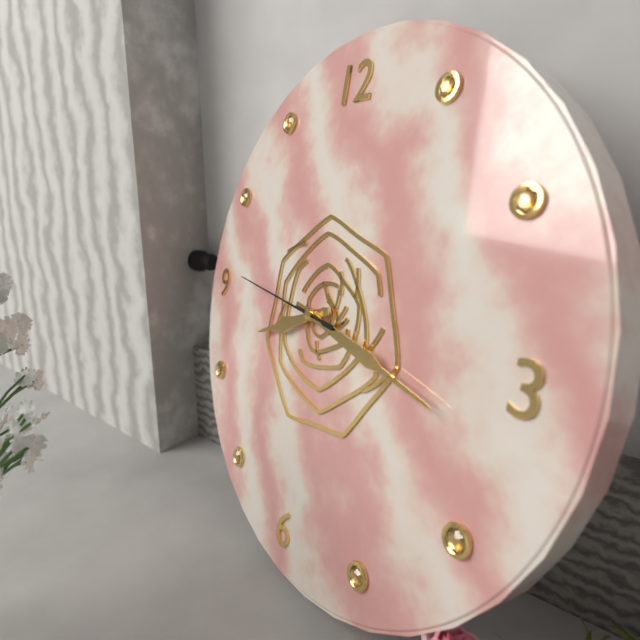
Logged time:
8h17m46s
